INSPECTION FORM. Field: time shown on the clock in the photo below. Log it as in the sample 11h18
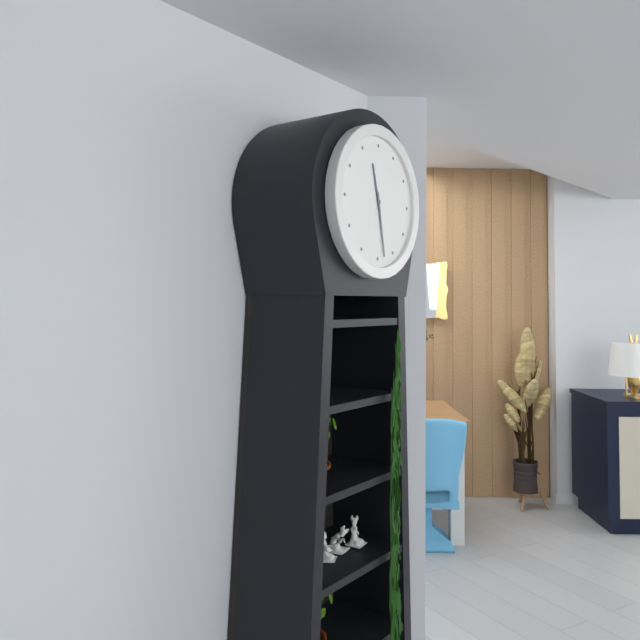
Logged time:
11h28
